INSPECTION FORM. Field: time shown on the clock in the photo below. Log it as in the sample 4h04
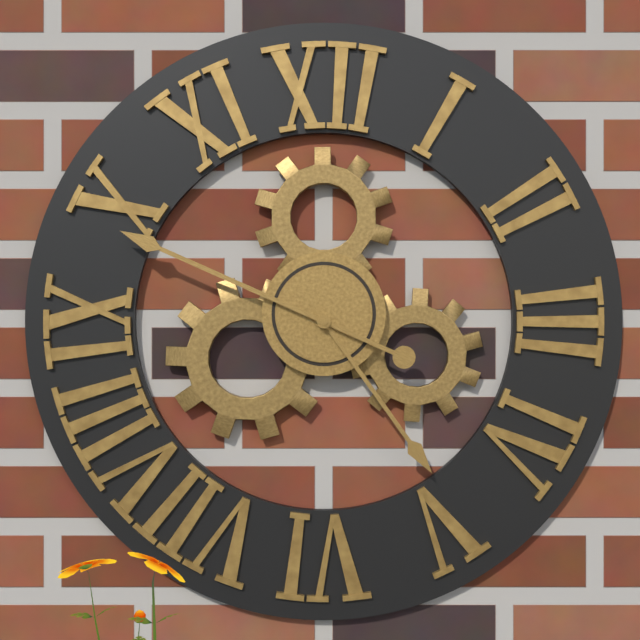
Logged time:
4h49
